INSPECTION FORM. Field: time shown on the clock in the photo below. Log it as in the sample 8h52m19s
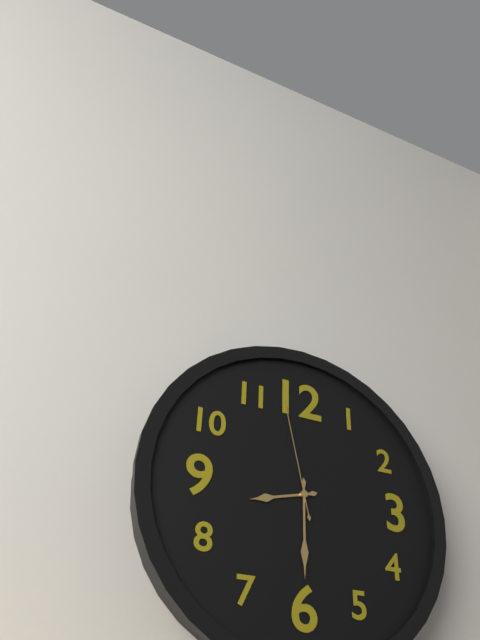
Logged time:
8h30m58s
